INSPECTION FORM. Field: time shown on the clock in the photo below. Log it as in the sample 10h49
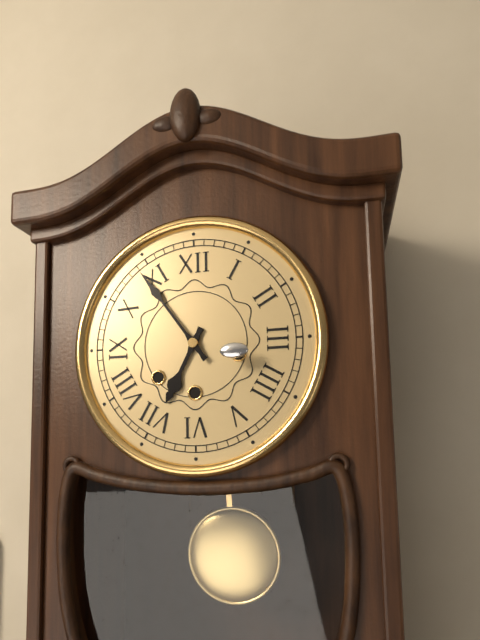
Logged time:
6h54
